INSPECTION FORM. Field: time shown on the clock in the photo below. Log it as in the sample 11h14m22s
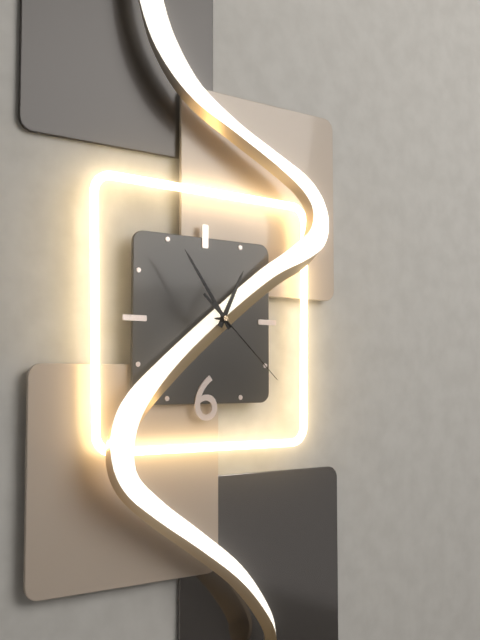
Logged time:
12h54m22s
